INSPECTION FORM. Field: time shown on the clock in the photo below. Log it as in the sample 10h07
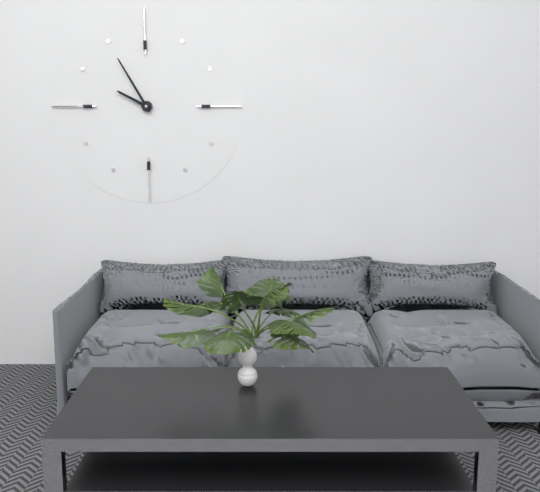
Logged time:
9h55
